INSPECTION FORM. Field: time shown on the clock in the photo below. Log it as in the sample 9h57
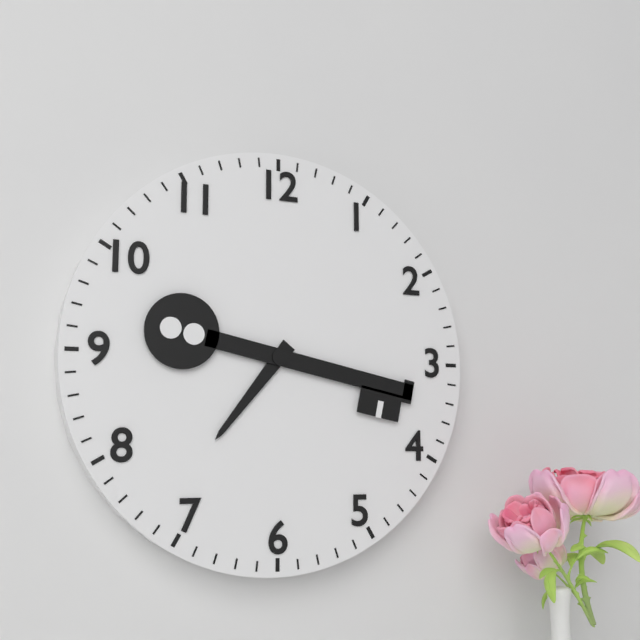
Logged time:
7h17
